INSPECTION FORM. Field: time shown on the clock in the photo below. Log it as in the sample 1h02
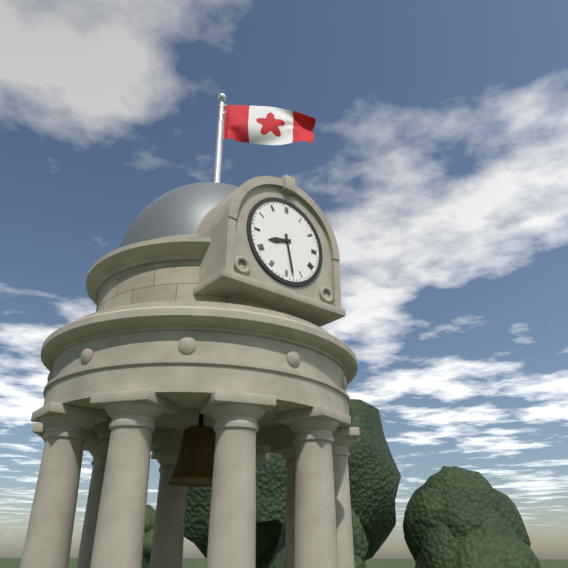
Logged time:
8h28
